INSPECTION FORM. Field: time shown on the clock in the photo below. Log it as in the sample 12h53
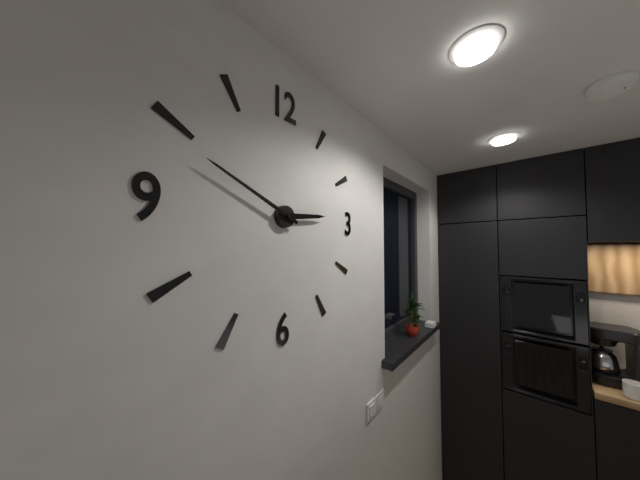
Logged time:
2h49
